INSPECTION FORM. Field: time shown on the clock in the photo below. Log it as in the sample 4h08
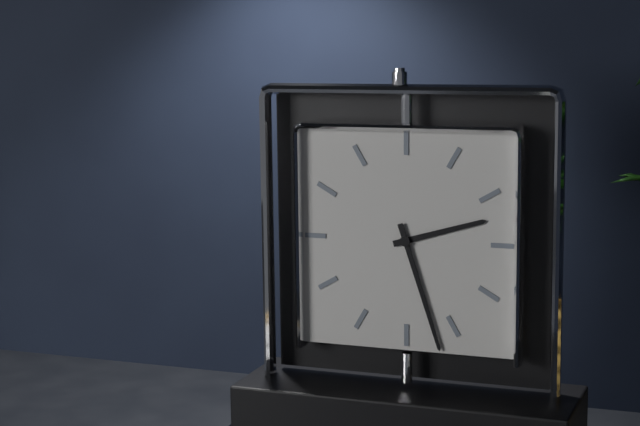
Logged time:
2h27
